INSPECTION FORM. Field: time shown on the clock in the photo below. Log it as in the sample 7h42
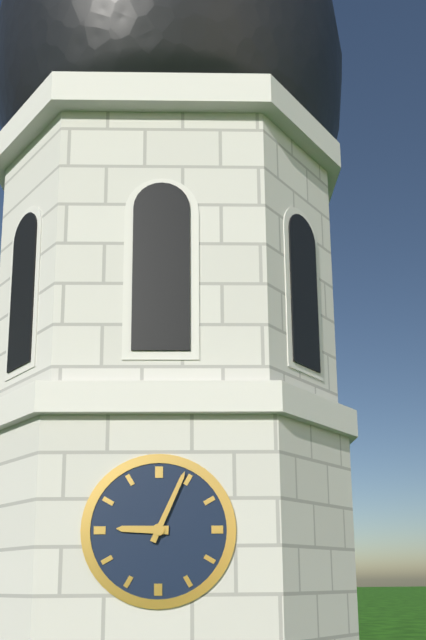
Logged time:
9h04
